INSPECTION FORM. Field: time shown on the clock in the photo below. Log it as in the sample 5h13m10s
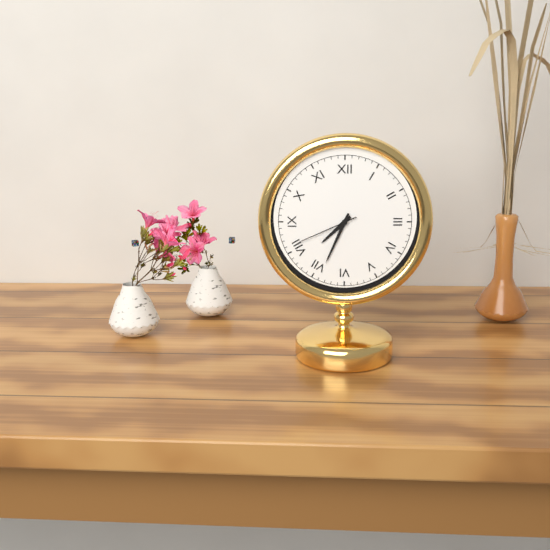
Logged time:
7h34m41s
